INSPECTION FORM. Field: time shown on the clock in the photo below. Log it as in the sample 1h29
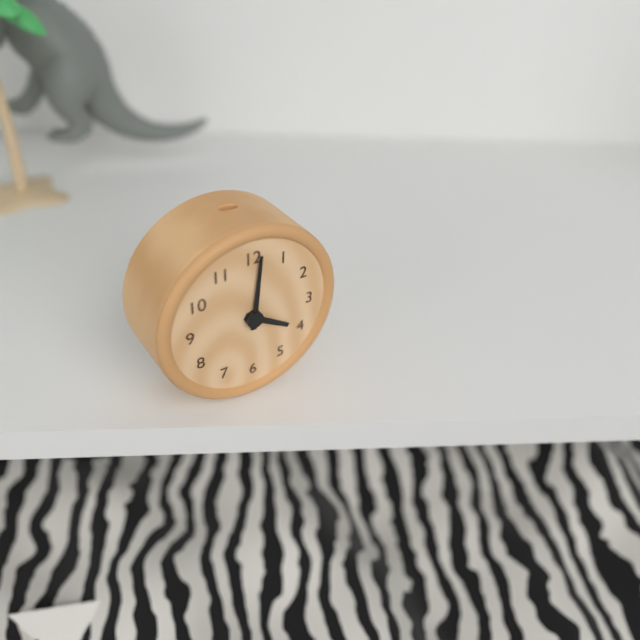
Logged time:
4h01
